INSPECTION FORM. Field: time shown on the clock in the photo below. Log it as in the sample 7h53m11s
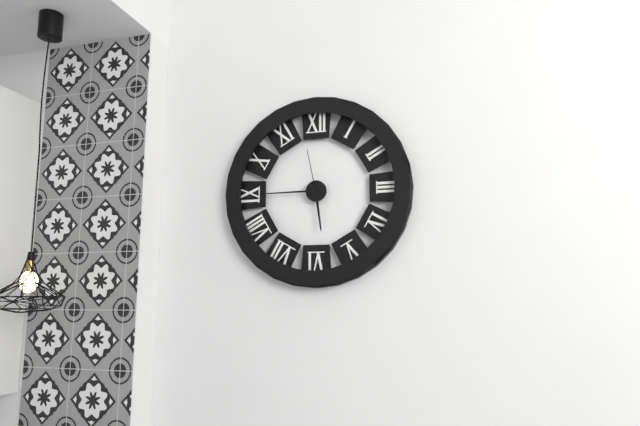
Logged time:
5h45m58s
